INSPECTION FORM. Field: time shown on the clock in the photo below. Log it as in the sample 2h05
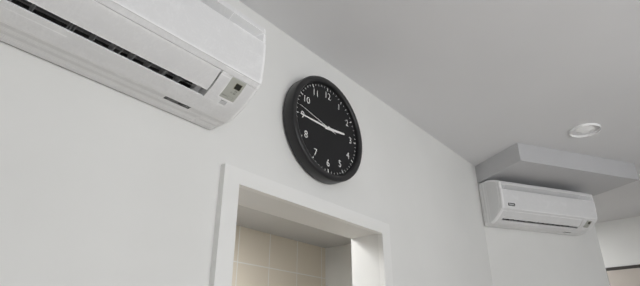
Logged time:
2h45
